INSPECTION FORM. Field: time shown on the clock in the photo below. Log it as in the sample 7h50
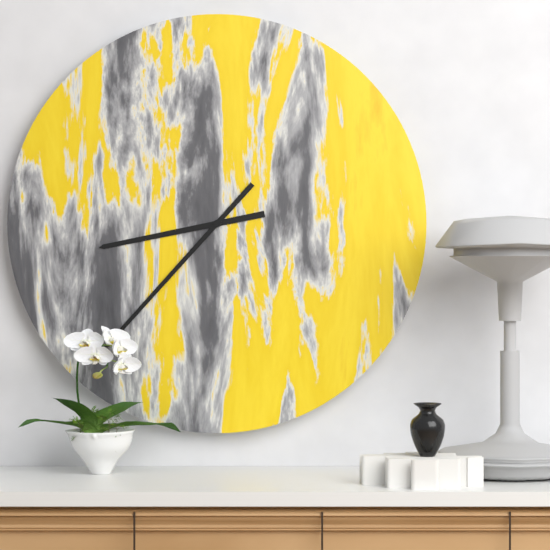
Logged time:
8h37
